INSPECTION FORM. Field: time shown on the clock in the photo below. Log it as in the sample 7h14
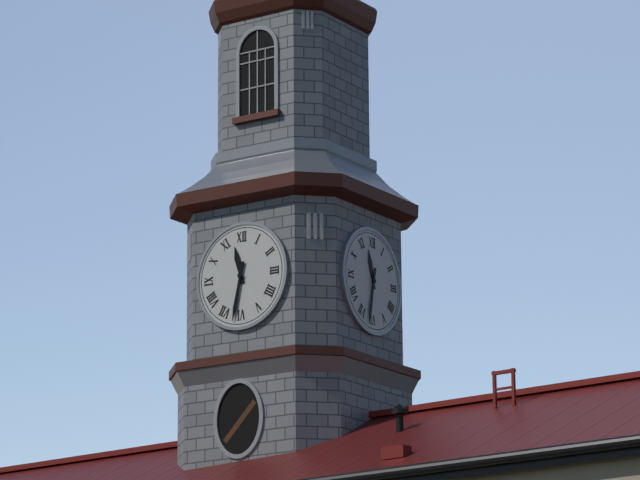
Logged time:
11h32
